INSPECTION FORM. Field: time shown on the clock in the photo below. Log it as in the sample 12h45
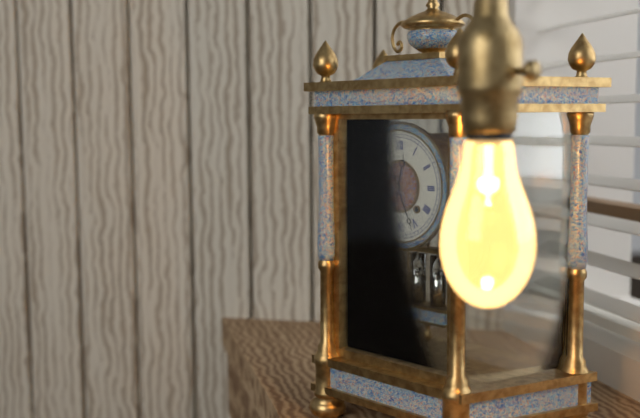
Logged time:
12h26
